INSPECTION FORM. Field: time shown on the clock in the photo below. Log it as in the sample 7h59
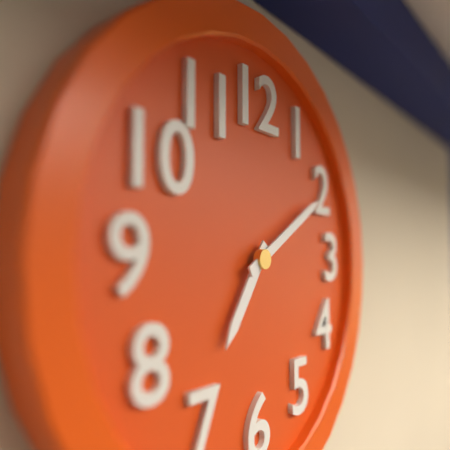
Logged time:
7h10
